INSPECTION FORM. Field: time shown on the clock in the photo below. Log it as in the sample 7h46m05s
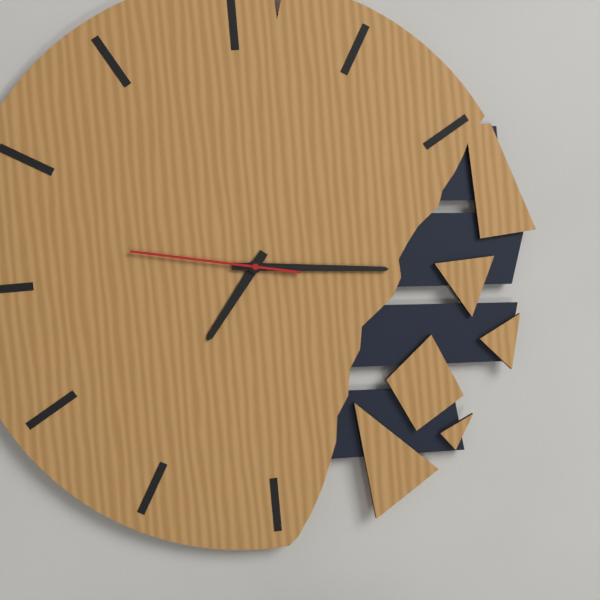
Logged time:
7h16m47s
